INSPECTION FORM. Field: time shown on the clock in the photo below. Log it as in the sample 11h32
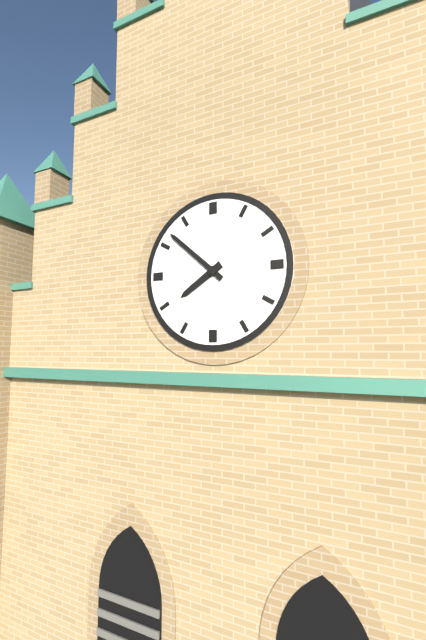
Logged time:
7h52
